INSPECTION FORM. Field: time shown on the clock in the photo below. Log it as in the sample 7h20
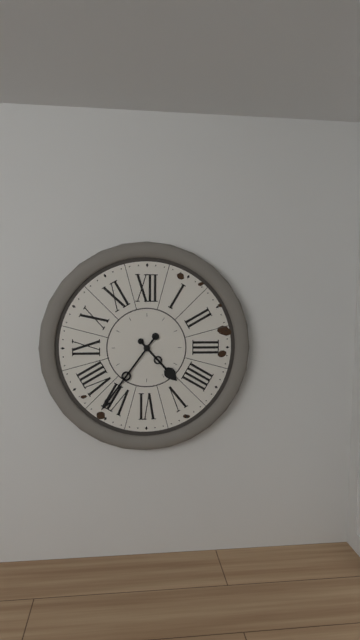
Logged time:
4h36
